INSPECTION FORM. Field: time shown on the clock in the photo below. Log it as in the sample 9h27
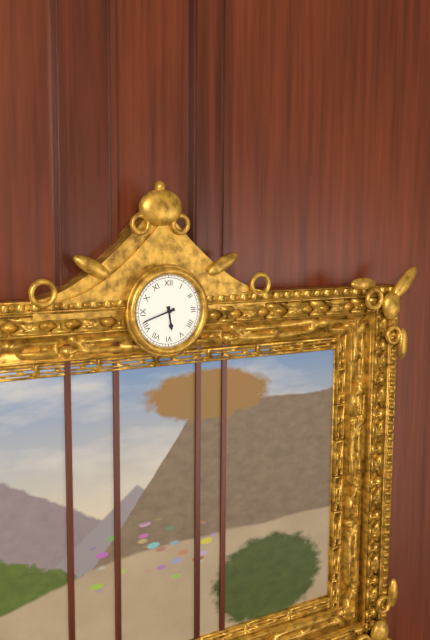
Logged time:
5h42
